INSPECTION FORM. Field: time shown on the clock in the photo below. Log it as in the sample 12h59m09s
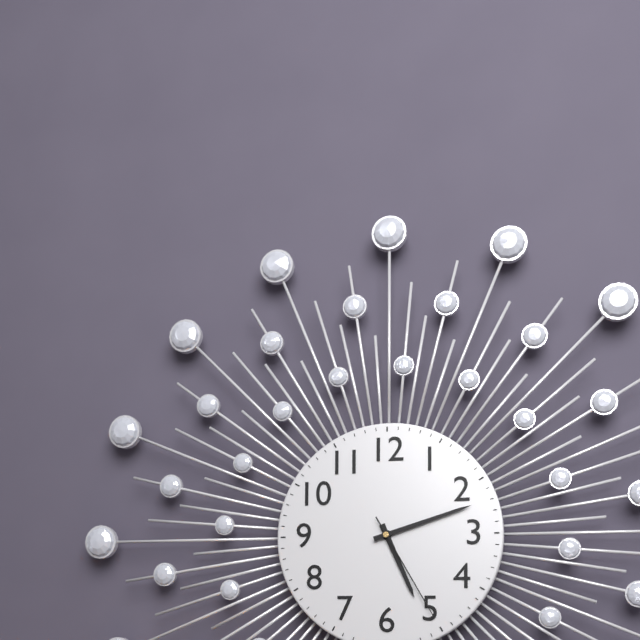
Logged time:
5h12m25s
